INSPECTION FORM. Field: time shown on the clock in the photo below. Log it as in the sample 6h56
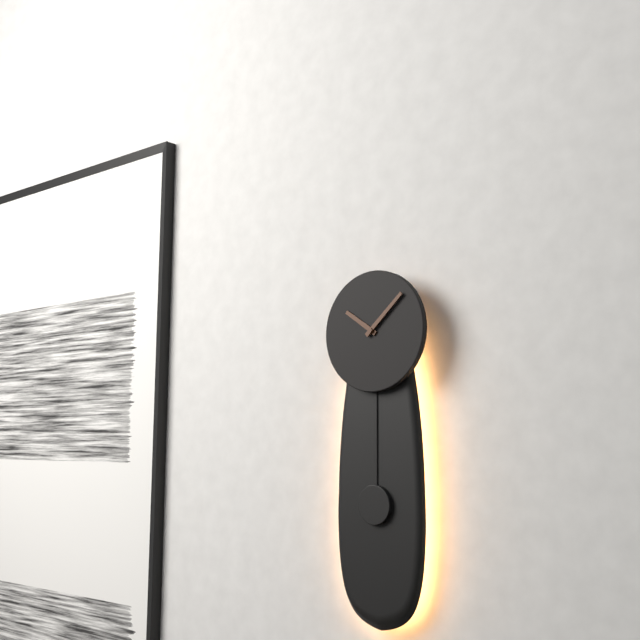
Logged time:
10h08
